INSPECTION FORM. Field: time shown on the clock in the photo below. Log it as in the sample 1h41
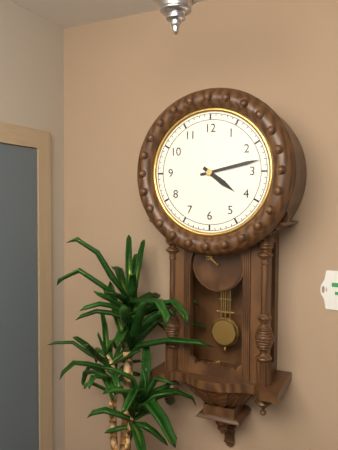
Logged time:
4h13
